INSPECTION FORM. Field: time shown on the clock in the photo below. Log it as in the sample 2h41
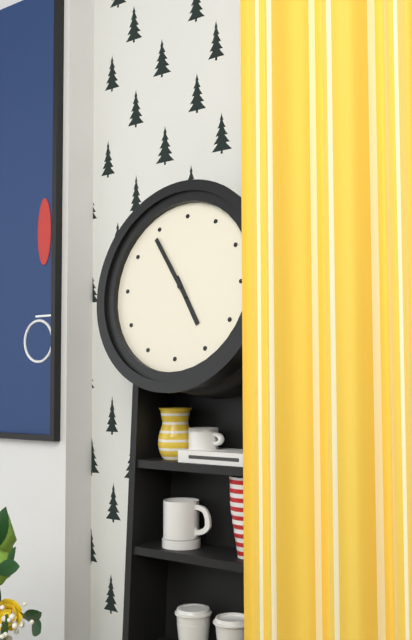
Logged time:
4h54
